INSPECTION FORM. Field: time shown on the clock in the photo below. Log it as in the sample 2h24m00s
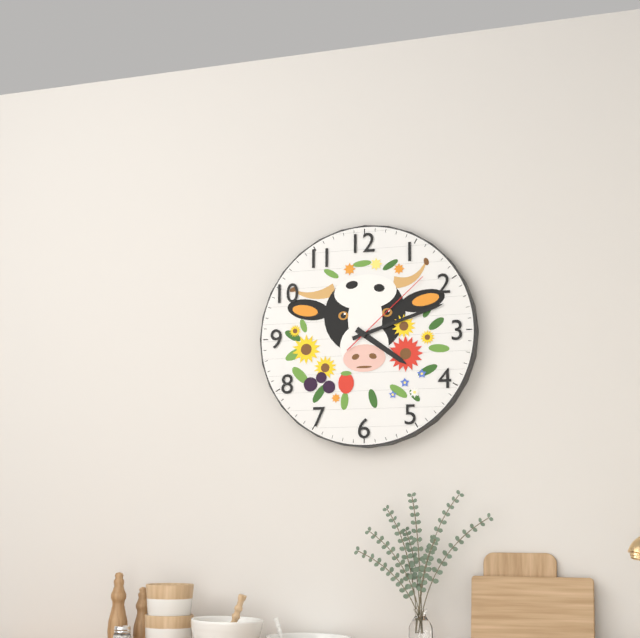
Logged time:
4h12m08s
